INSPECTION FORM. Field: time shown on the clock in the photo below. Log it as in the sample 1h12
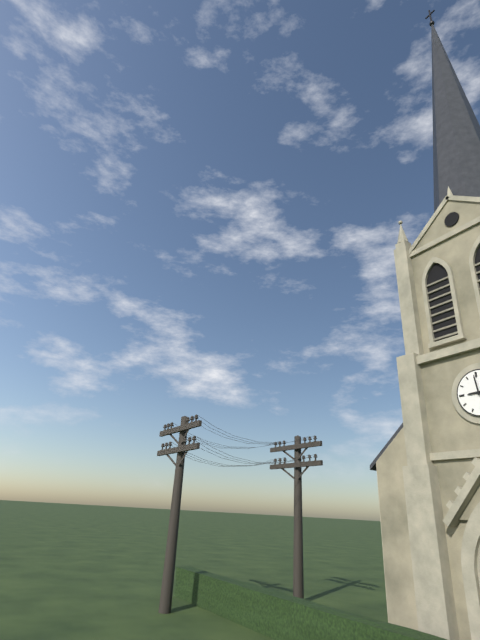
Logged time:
8h59
